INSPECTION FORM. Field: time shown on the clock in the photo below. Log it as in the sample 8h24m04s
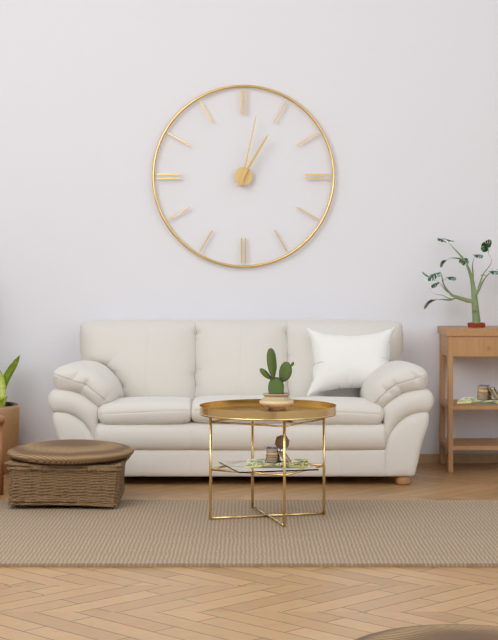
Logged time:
1h02m05s
